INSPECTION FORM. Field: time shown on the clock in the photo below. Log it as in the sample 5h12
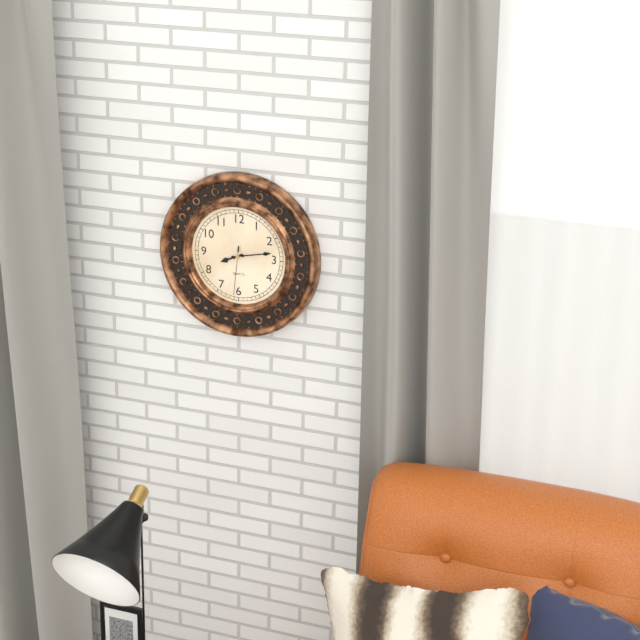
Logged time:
8h13
